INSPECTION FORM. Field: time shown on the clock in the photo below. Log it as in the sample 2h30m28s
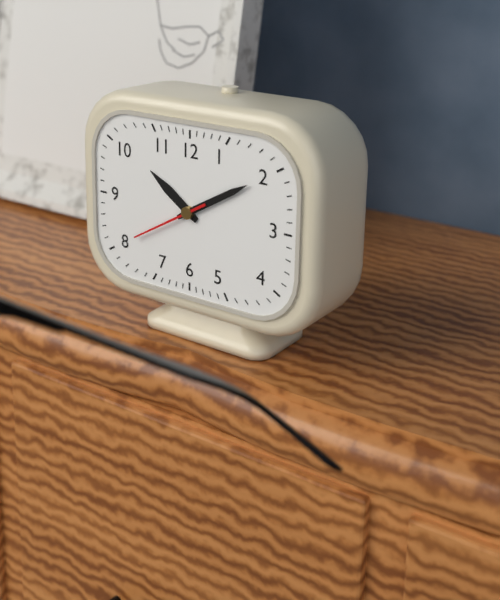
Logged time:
10h10m40s
